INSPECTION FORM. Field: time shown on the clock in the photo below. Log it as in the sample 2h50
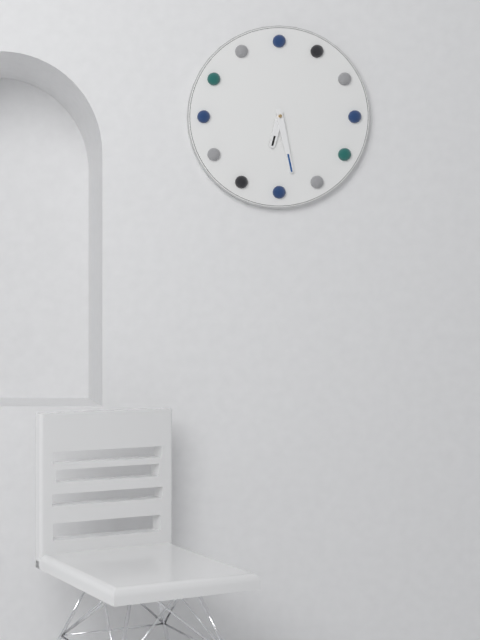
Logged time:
6h28
